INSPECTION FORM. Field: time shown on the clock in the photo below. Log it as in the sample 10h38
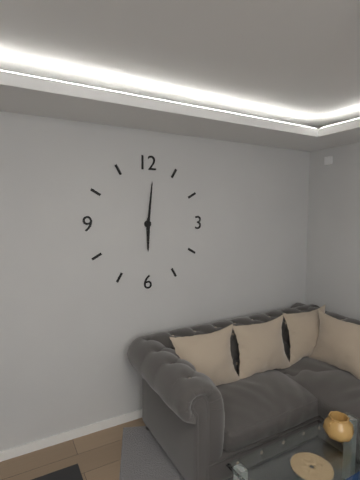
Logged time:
6h01
